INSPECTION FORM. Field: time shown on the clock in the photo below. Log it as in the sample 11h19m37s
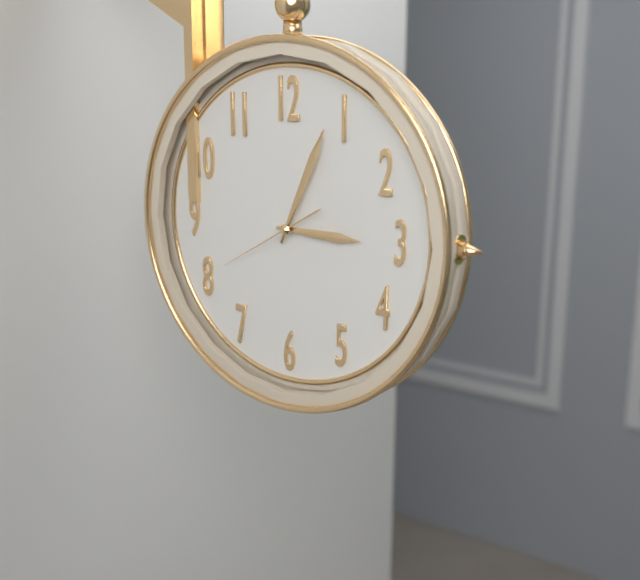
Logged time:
3h04m40s
